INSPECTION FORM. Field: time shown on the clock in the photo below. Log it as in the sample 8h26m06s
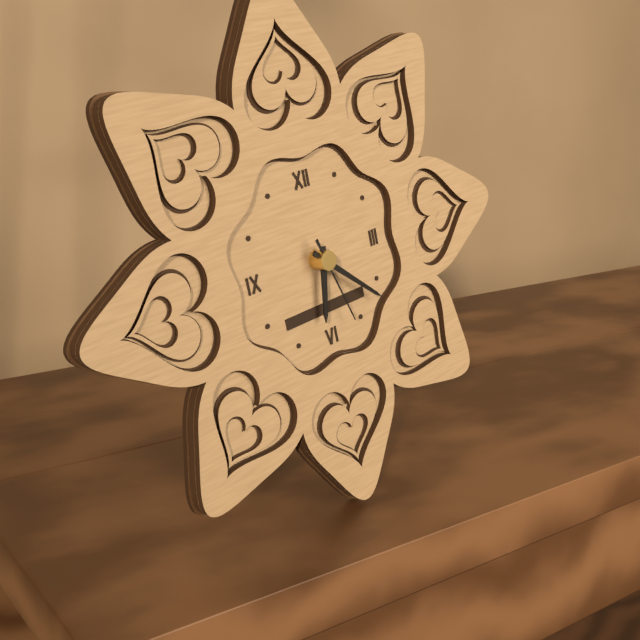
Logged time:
6h22m27s
